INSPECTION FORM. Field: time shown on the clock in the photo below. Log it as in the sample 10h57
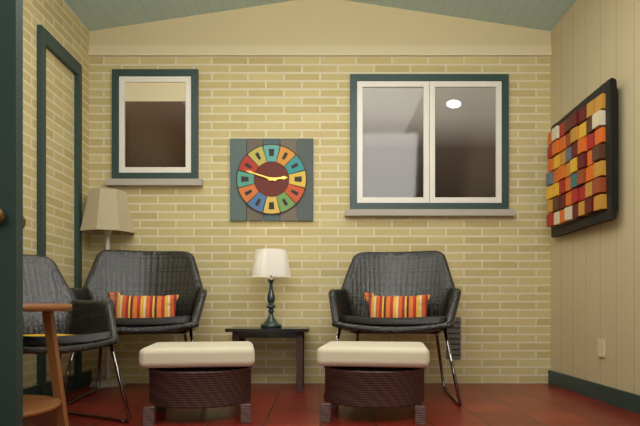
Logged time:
2h48
